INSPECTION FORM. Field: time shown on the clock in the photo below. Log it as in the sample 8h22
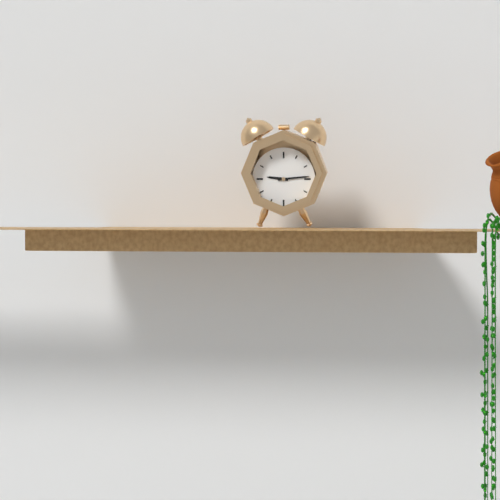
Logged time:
9h14
